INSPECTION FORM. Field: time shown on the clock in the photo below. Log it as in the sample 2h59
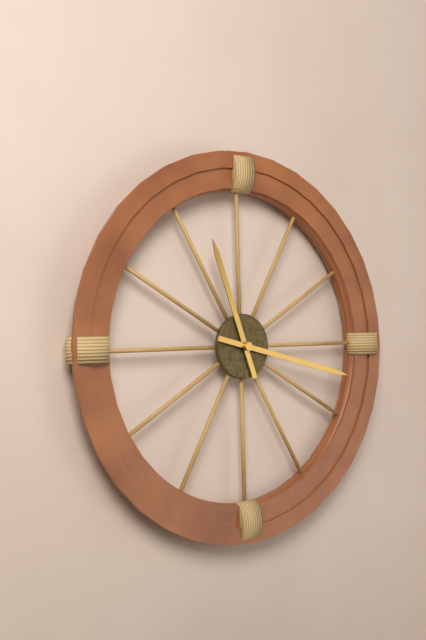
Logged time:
11h17
